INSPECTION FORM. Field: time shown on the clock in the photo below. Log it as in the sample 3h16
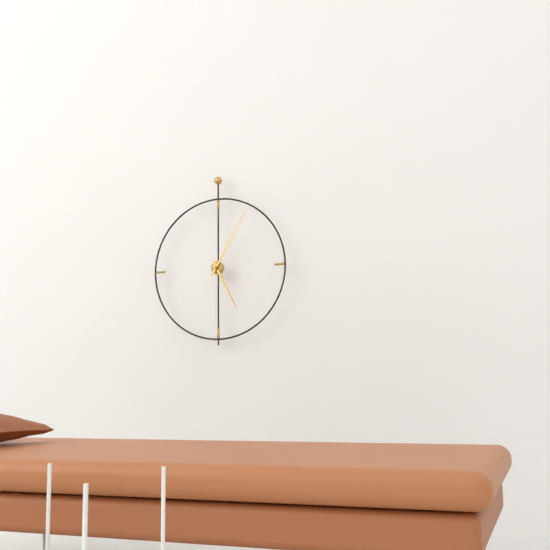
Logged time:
5h05
